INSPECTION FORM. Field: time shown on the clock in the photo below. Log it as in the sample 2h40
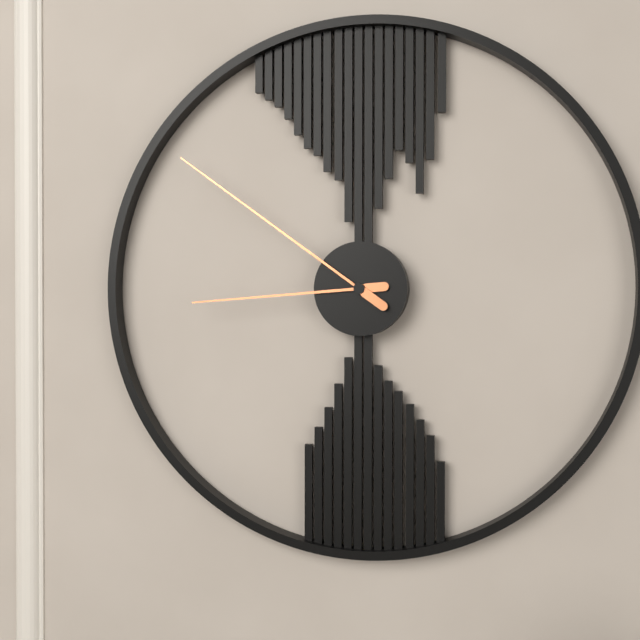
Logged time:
8h51
